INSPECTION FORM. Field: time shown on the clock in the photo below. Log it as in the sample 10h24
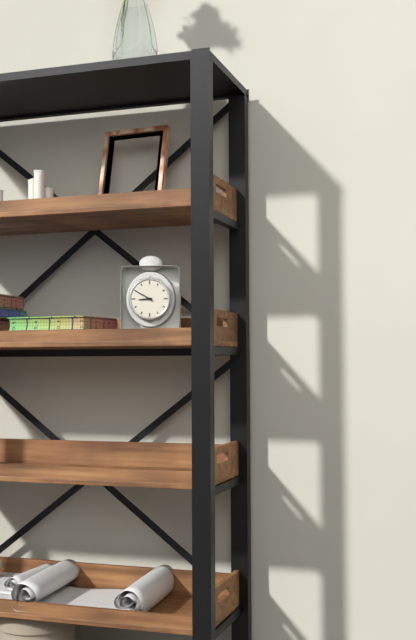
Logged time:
8h50
